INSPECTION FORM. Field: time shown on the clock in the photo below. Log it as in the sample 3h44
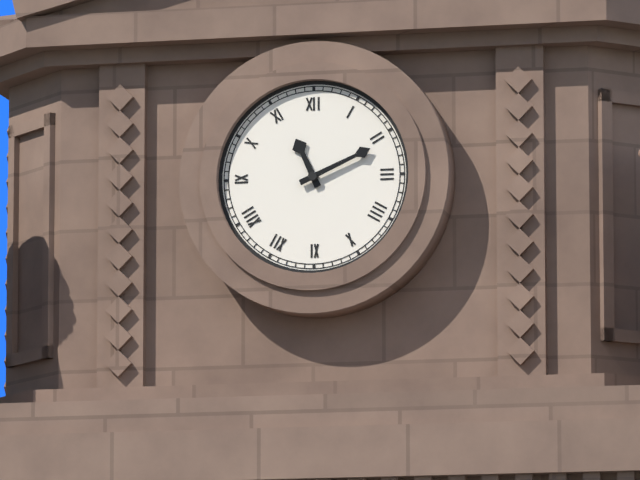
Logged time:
11h11
